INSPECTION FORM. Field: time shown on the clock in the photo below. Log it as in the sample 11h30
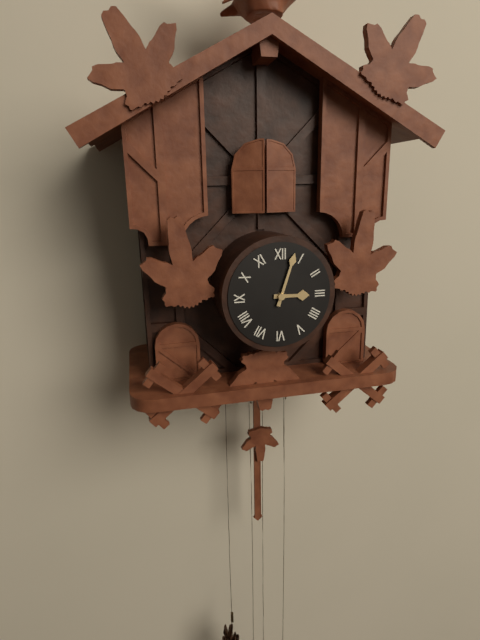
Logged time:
3h03
